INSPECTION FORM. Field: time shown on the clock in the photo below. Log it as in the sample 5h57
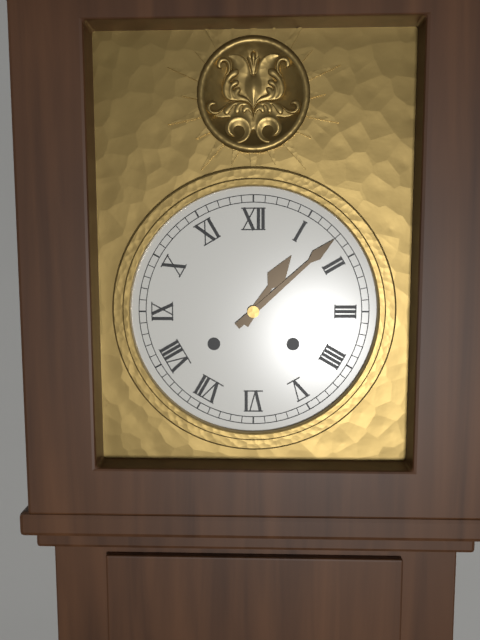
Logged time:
1h08
